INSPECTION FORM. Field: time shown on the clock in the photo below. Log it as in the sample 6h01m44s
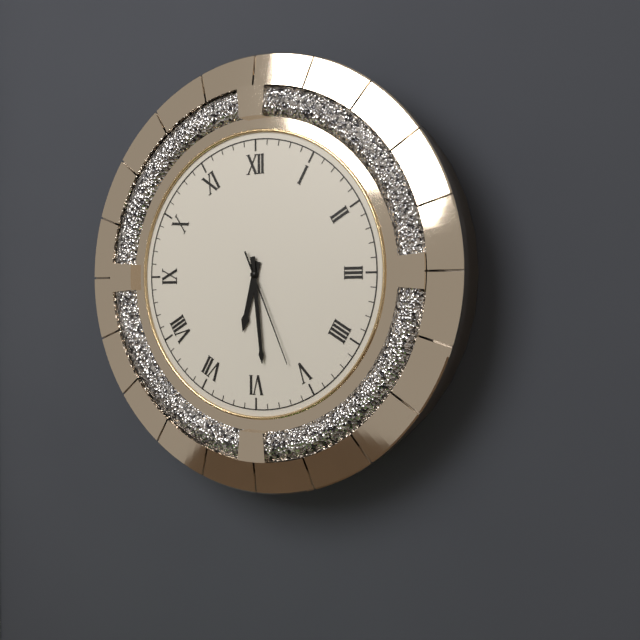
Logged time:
6h29m26s
